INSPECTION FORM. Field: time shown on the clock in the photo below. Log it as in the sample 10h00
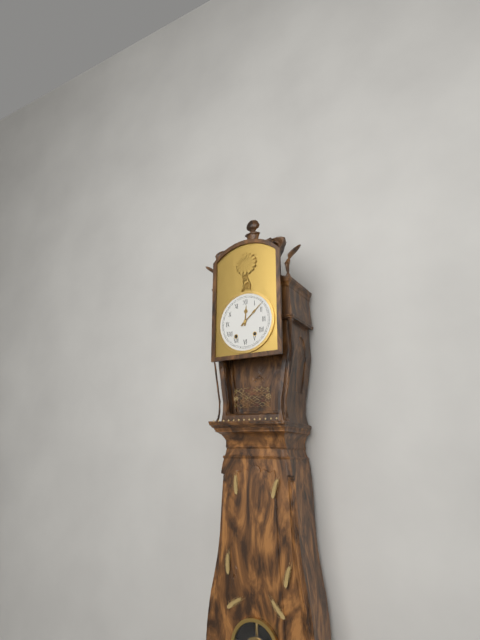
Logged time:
12h08
